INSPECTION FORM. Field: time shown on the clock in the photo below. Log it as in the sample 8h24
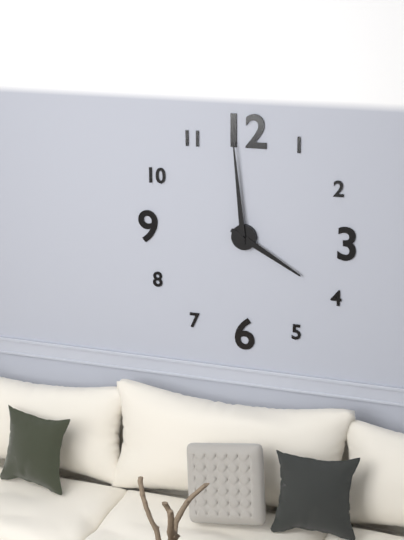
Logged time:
3h59
